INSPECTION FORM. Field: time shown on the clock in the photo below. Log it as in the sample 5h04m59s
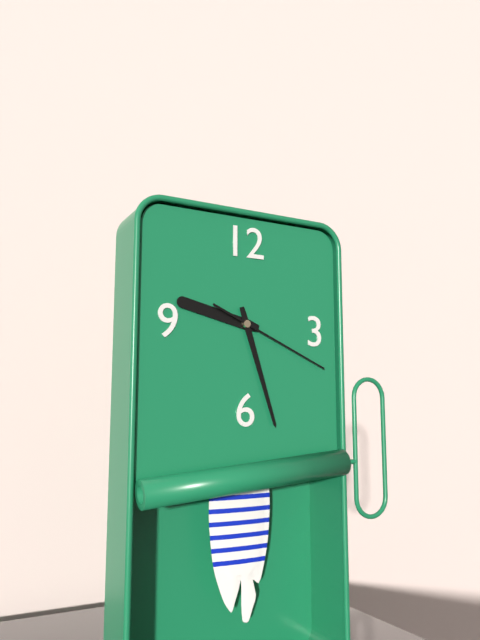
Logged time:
9h27m19s
